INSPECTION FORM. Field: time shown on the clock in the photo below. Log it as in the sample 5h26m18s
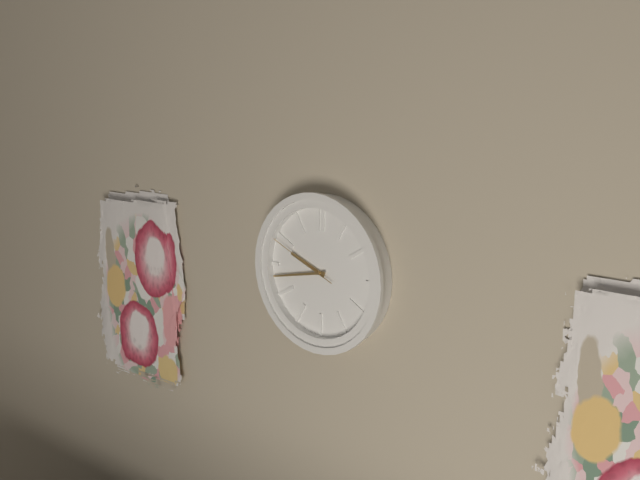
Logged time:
9h43m49s
